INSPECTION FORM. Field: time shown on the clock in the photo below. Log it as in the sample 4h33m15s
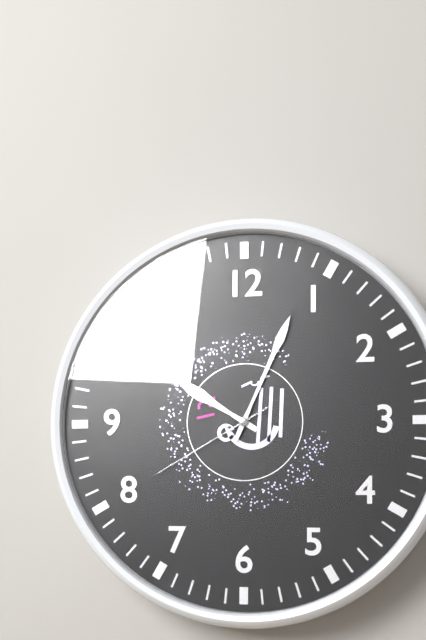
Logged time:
10h04m40s
